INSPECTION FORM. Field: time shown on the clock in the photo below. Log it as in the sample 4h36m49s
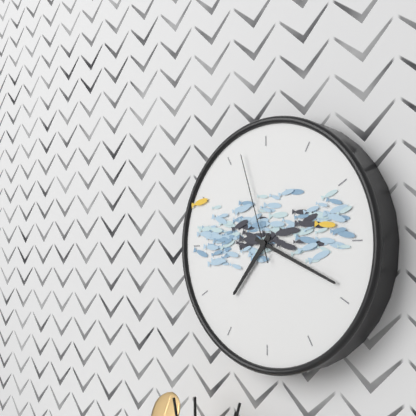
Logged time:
7h19m57s
